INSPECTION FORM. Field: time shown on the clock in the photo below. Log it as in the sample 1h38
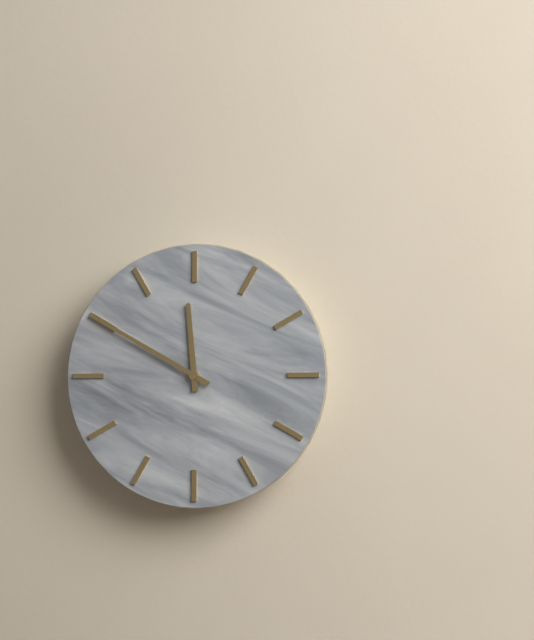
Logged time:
11h50
